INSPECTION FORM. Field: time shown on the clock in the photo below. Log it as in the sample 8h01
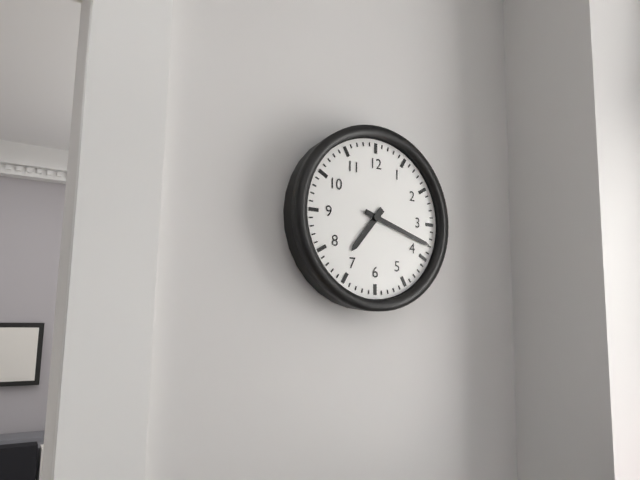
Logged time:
7h18
